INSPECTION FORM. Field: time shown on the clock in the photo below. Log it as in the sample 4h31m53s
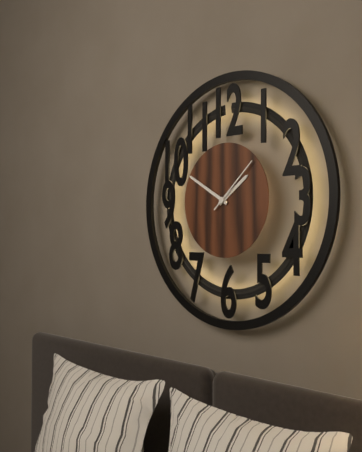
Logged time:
1h50m08s
